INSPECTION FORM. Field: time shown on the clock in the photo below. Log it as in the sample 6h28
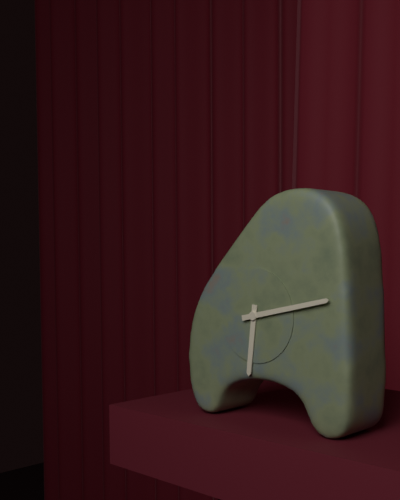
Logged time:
6h13
